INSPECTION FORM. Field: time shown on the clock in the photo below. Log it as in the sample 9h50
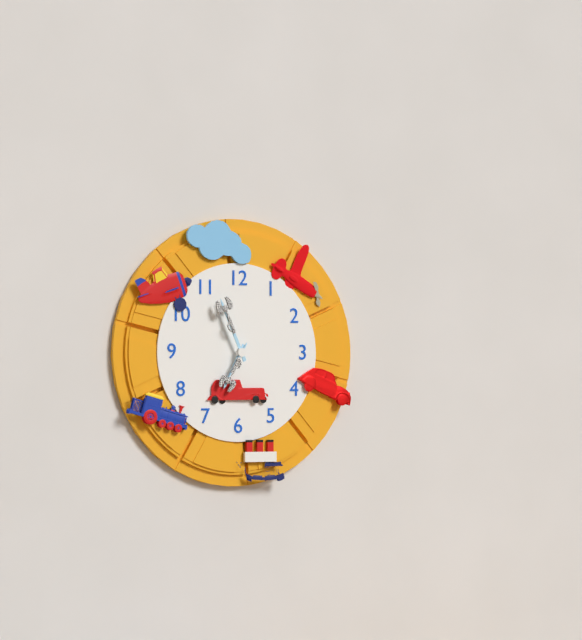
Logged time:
6h56
